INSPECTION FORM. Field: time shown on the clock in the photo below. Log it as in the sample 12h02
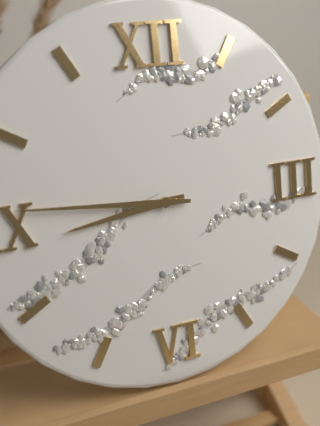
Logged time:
8h46
